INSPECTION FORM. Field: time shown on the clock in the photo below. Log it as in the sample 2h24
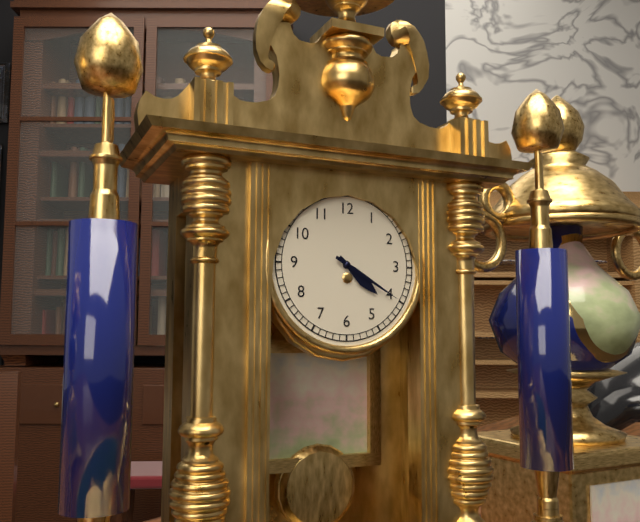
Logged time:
4h20
